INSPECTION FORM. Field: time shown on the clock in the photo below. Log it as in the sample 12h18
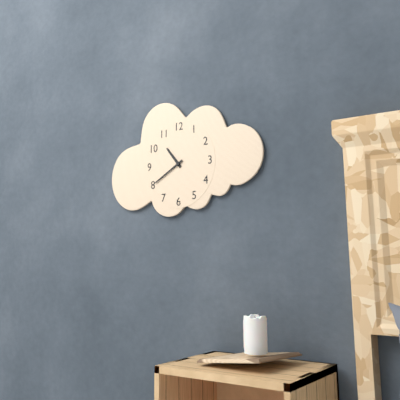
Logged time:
10h40
